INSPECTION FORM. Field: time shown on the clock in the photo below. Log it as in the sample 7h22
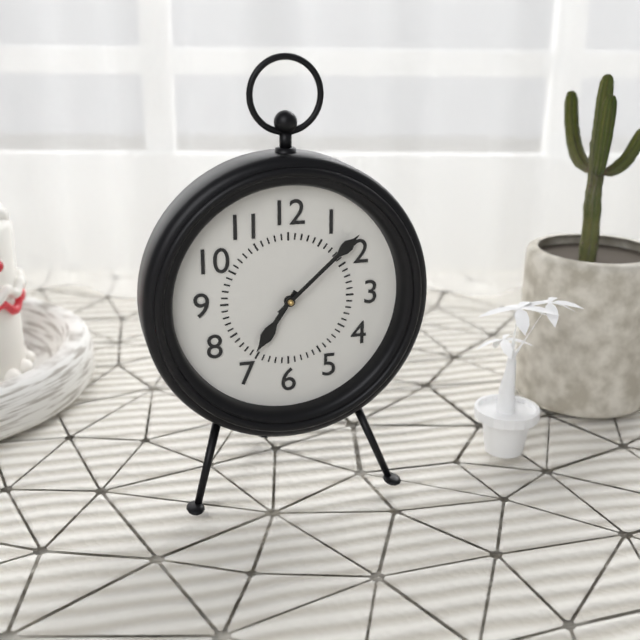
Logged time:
7h08
